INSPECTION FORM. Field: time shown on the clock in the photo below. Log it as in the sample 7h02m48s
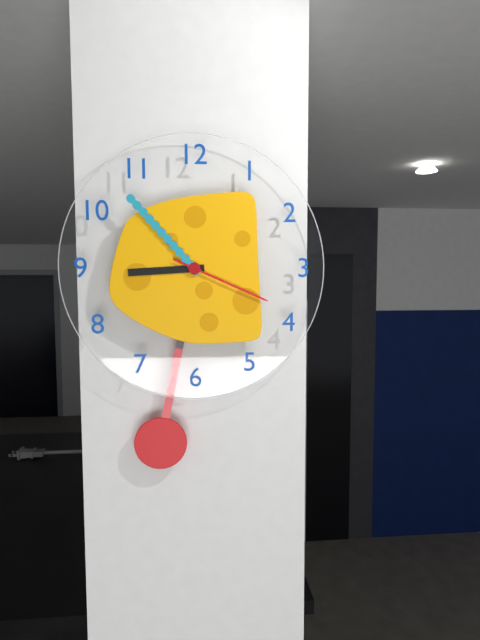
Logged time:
8h53m19s
